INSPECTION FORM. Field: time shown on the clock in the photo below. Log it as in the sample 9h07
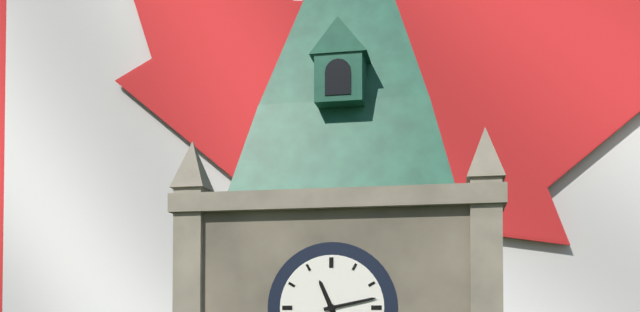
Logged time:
11h13
